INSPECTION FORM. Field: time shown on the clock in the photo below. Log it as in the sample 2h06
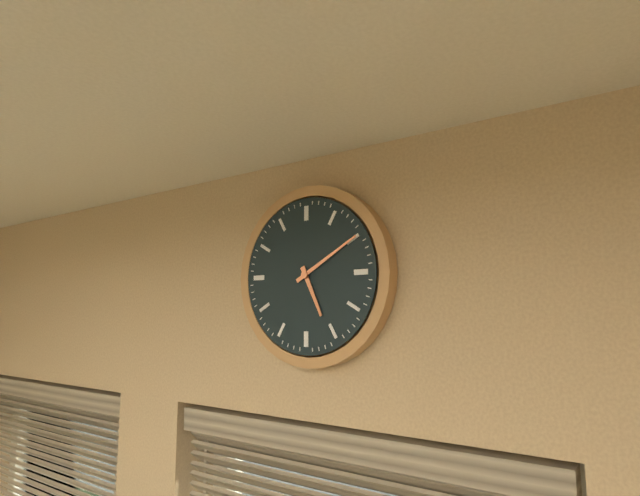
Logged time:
5h10
